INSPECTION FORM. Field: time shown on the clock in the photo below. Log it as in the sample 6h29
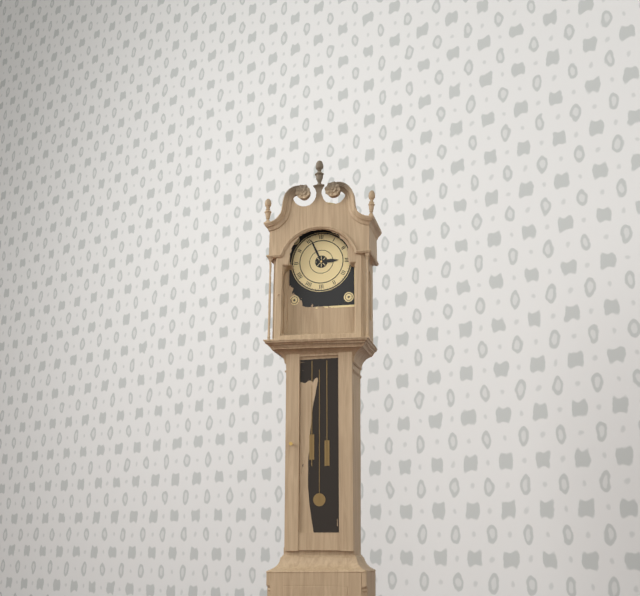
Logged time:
2h56
